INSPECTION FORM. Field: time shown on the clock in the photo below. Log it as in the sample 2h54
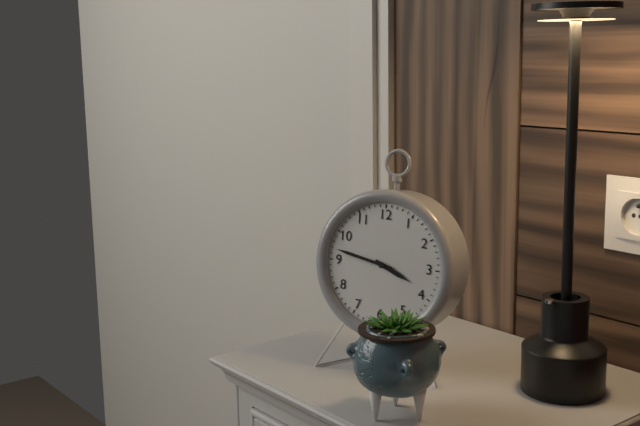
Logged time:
3h47
